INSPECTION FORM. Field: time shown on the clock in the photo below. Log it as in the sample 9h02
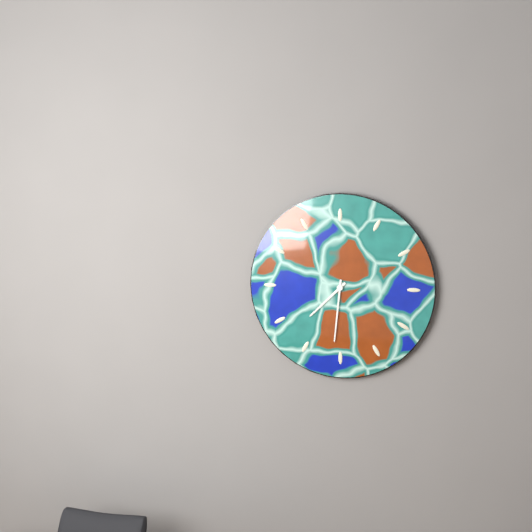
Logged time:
7h31
